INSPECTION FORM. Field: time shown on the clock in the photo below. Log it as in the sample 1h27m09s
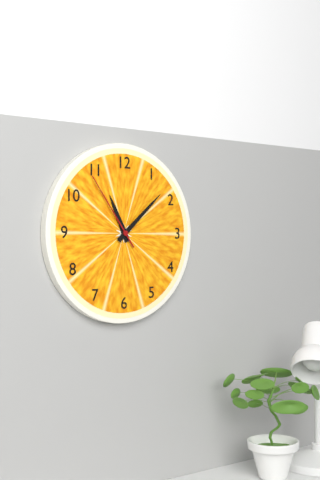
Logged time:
11h08m54s
